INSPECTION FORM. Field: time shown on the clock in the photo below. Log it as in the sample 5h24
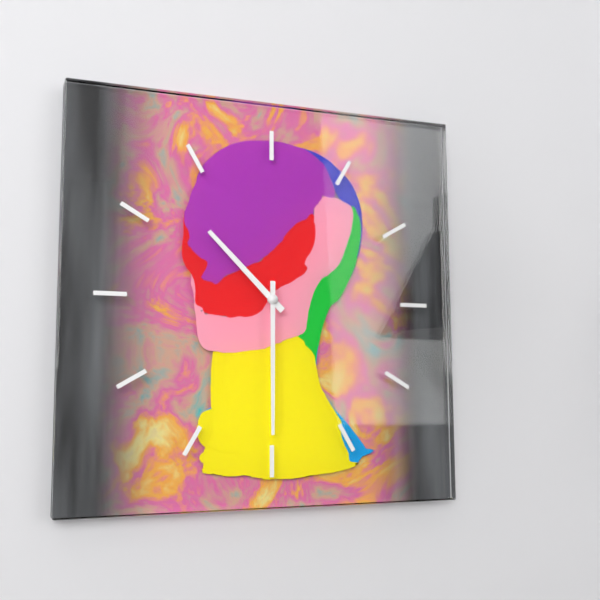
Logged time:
10h30
